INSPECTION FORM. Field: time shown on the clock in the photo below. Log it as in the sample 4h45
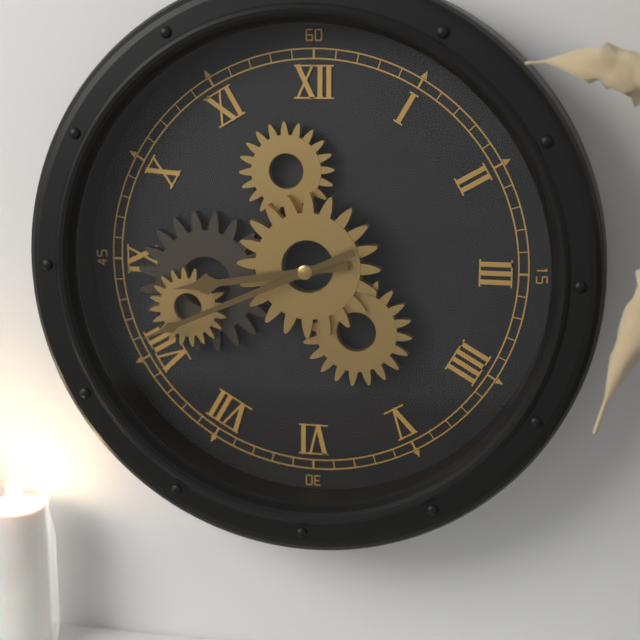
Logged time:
8h41
